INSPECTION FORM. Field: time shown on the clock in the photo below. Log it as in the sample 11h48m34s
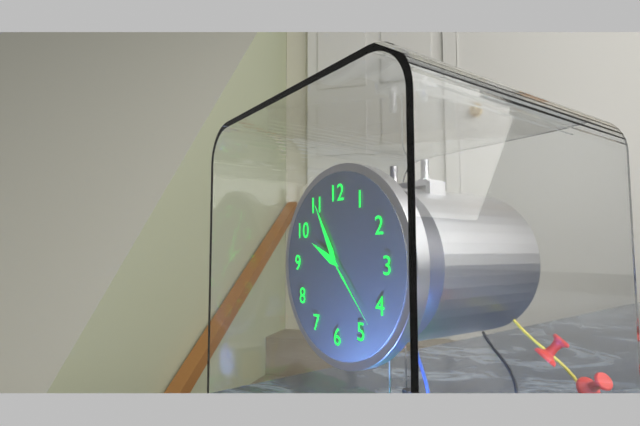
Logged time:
9h55m23s
